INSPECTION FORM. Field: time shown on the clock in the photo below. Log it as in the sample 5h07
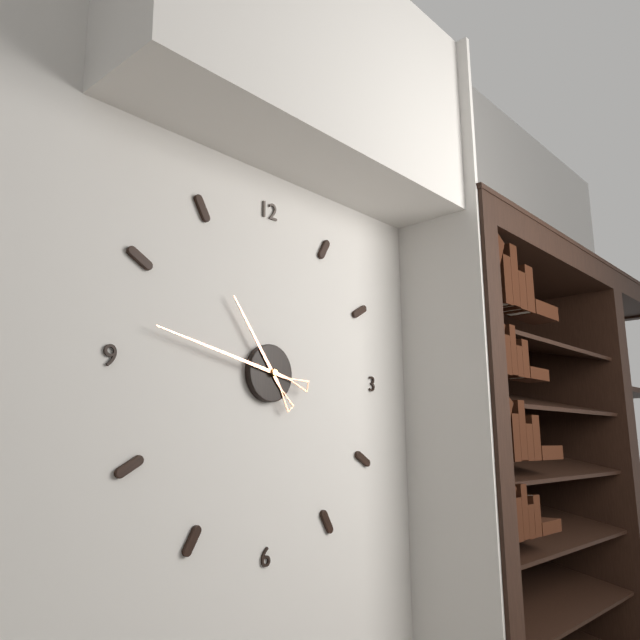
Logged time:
10h47
